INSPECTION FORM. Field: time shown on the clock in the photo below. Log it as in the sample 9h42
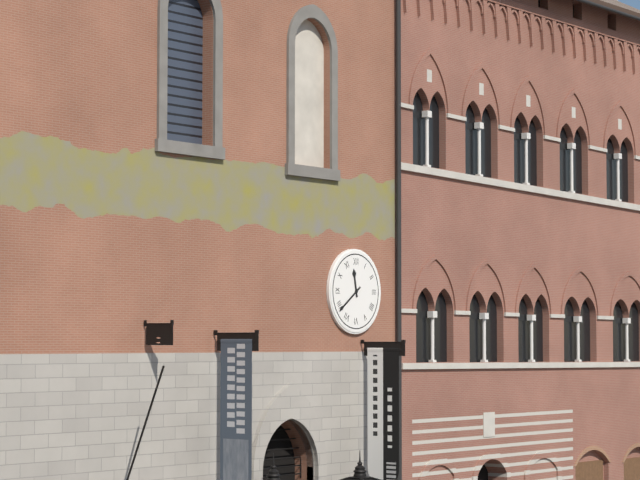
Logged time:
11h39
